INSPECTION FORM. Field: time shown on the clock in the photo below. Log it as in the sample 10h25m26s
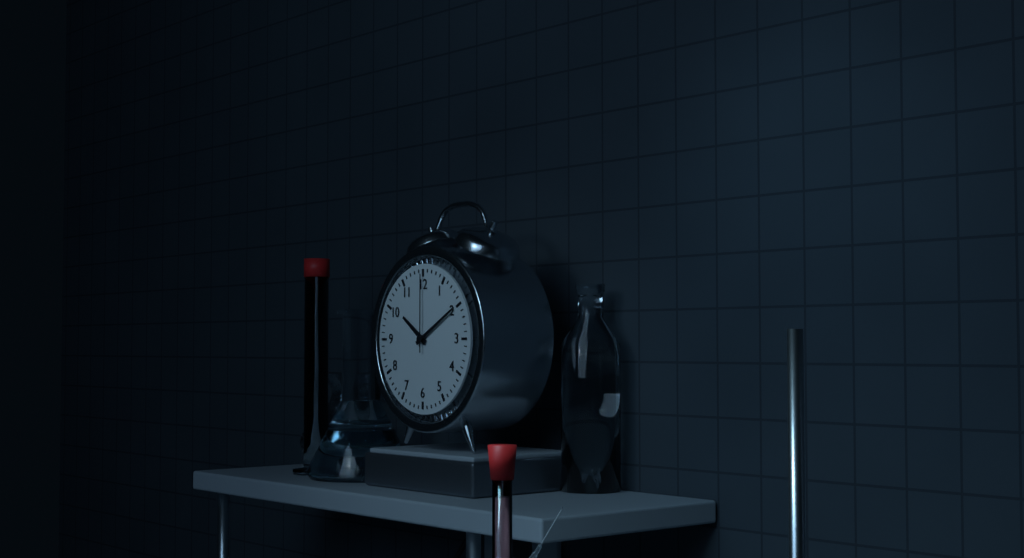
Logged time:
10h10m00s
